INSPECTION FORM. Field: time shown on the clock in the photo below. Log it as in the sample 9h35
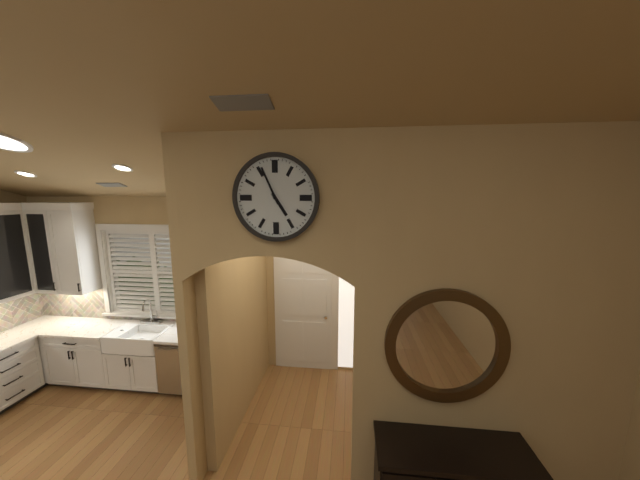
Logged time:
4h56
